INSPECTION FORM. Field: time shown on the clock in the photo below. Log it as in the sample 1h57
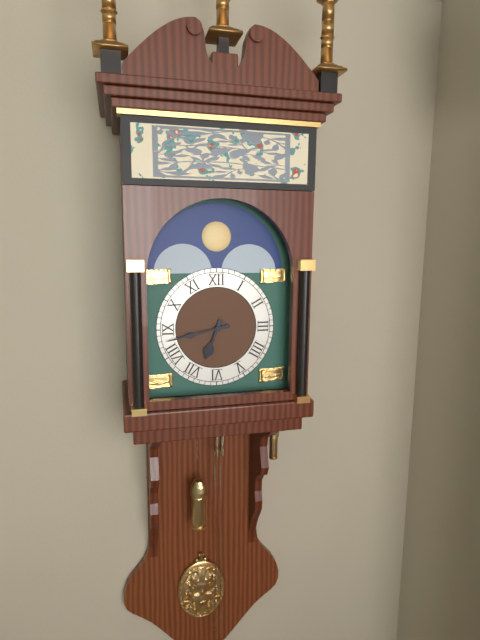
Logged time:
6h43
